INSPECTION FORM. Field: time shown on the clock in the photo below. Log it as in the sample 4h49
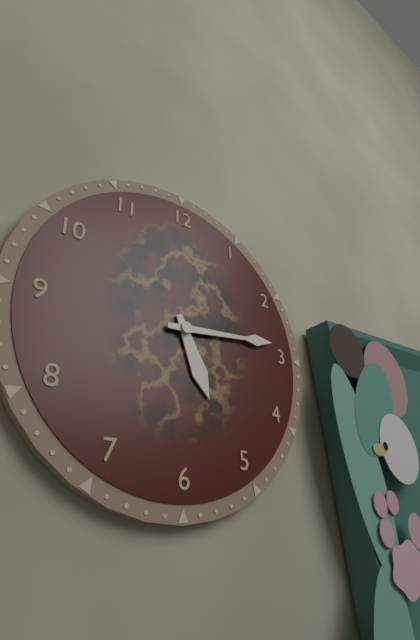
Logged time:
5h14
